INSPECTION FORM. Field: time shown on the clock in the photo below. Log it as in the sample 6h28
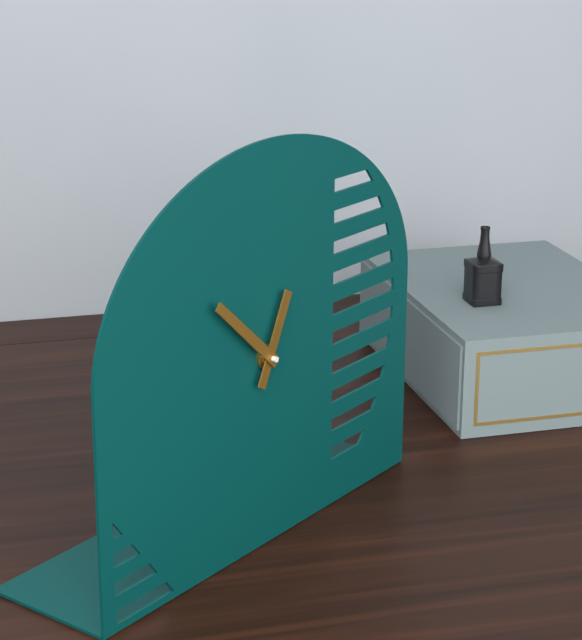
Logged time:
12h52
